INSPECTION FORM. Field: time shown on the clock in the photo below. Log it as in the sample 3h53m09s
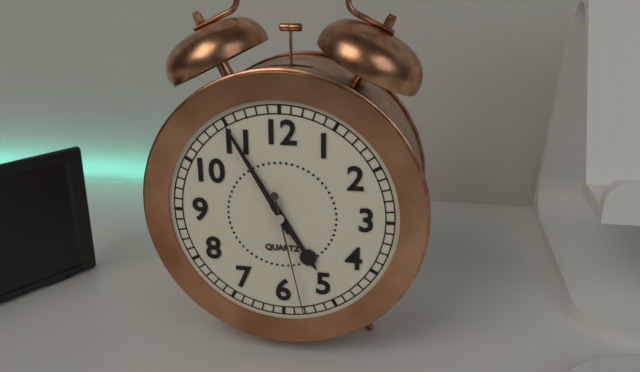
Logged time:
4h55m28s
